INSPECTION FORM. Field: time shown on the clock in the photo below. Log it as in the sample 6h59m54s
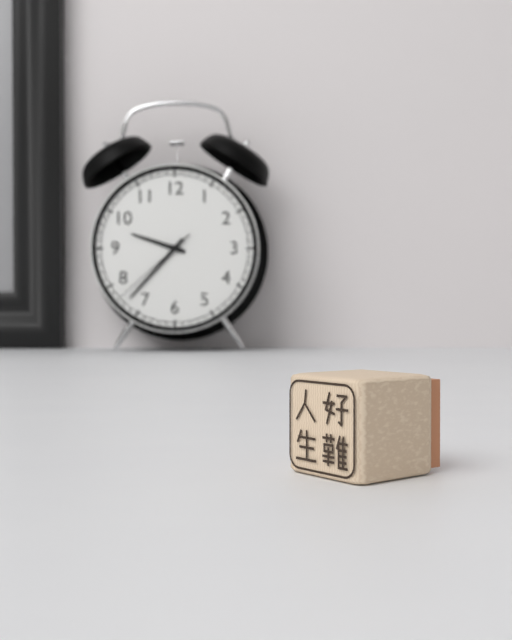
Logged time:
9h37m38s
